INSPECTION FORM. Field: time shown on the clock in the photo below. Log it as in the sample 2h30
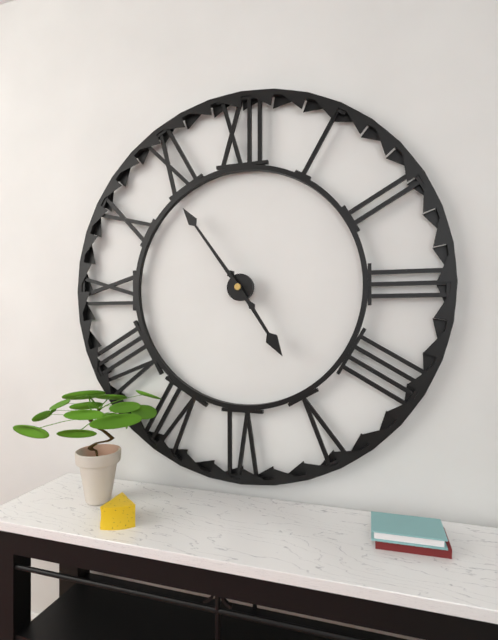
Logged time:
4h54
